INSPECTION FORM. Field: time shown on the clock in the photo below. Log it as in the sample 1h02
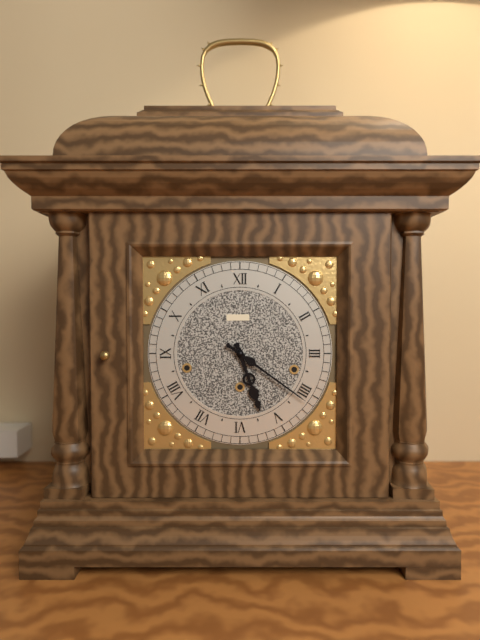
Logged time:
5h21
